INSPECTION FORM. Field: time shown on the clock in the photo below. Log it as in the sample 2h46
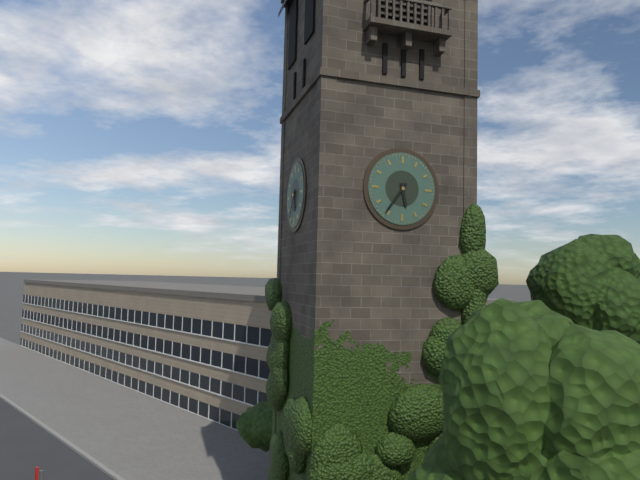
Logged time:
5h36
